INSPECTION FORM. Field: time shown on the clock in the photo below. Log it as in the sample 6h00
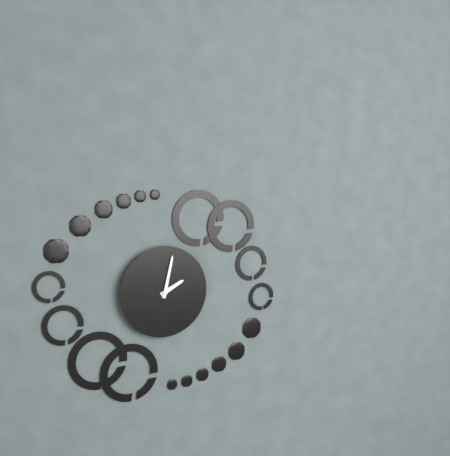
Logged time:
2h02
